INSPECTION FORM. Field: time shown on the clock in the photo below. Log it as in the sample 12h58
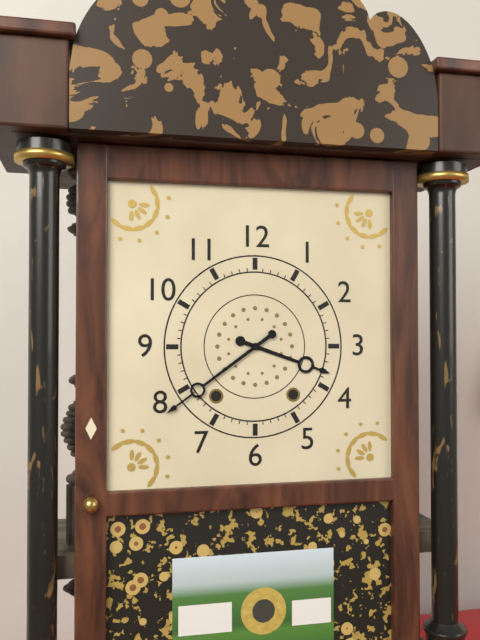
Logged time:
3h39
